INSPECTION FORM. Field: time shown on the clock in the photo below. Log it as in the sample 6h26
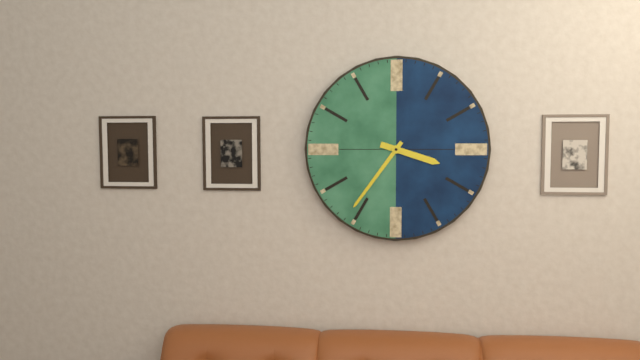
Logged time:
3h36
